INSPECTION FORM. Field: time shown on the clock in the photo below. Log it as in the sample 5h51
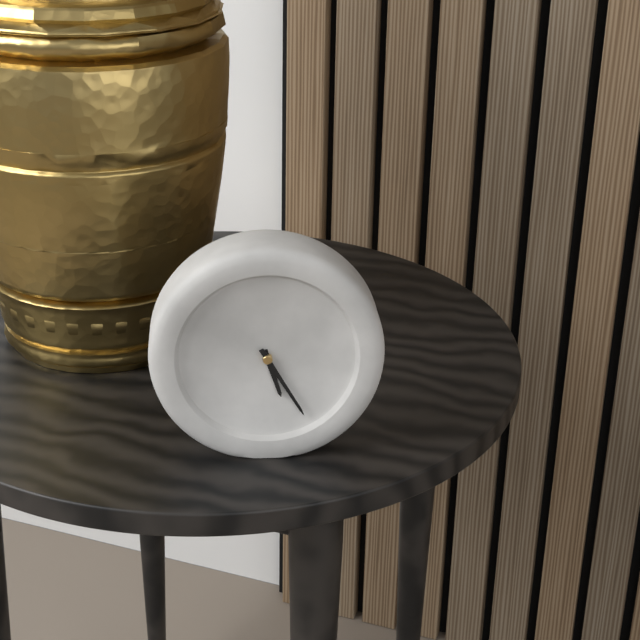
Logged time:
5h25
